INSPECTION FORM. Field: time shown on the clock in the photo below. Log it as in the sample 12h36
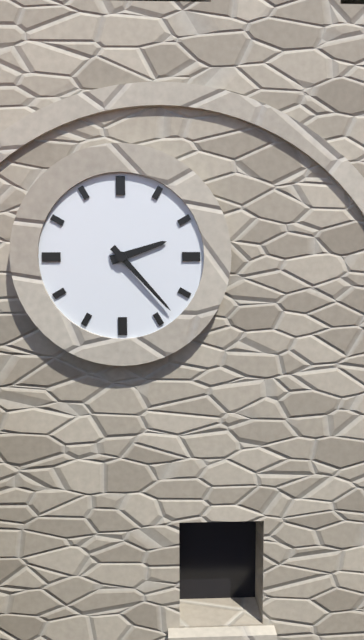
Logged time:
2h23
